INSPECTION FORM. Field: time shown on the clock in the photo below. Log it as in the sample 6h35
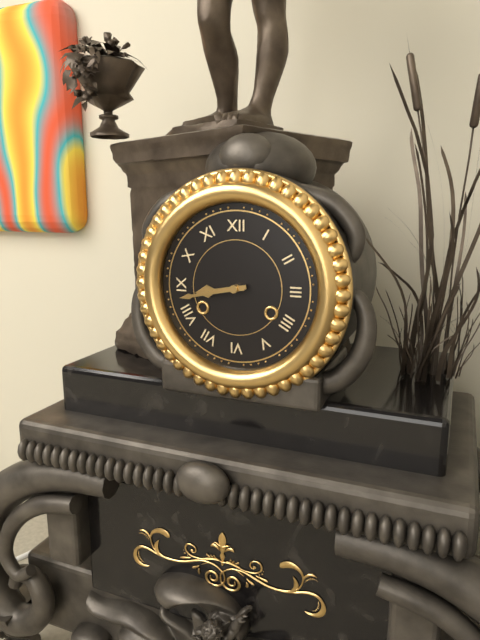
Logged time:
8h43
